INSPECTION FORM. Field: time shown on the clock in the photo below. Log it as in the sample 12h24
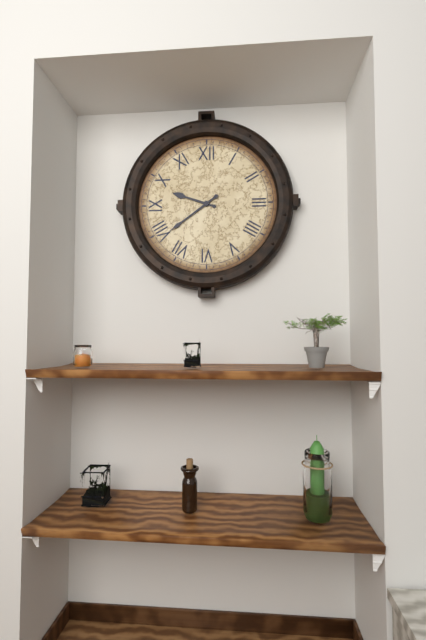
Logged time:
9h39
